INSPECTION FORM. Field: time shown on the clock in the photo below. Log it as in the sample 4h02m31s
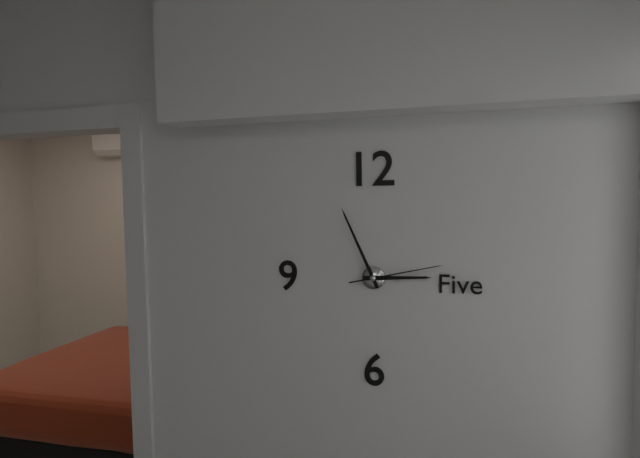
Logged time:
2h56m13s
